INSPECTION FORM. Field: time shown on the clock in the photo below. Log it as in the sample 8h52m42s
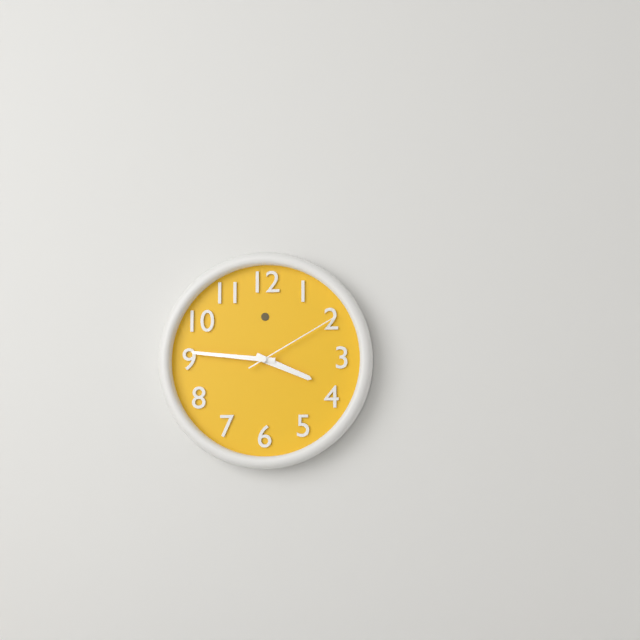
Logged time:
3h46m10s
